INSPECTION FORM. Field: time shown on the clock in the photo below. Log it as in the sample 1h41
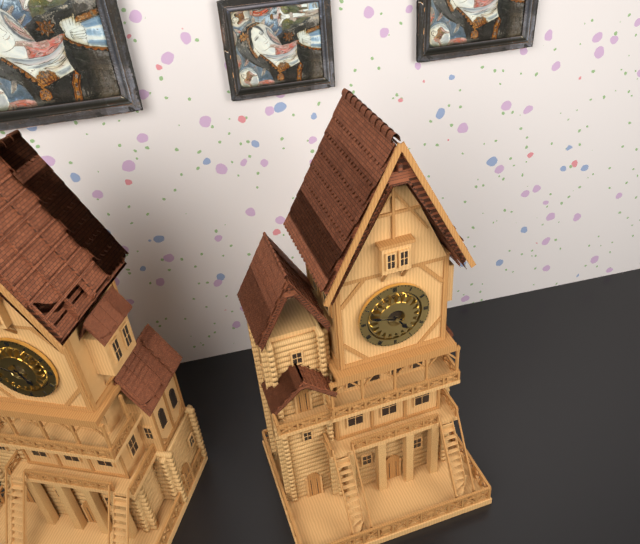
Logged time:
4h48
